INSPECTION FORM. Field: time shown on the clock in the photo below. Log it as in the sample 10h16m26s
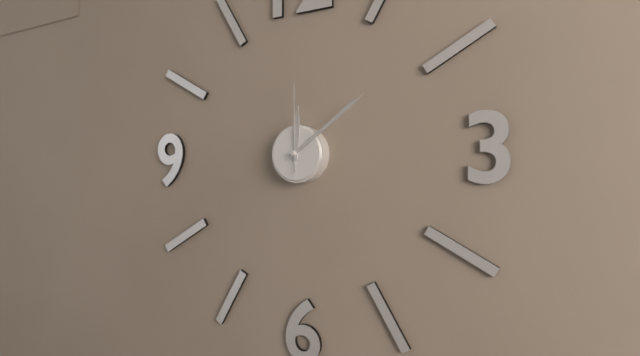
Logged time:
12h09m00s
